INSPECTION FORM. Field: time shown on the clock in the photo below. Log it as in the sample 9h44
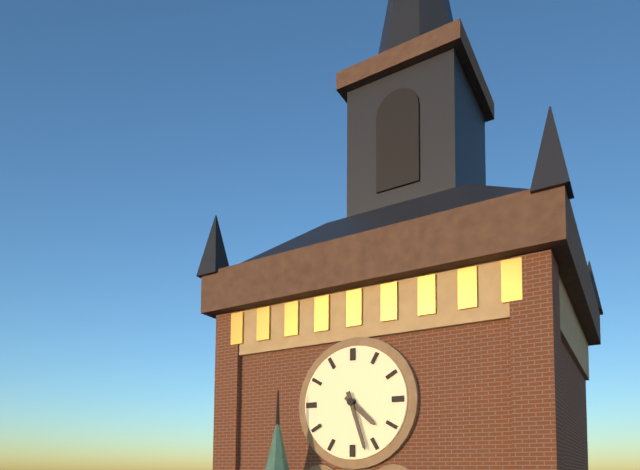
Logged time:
4h27
